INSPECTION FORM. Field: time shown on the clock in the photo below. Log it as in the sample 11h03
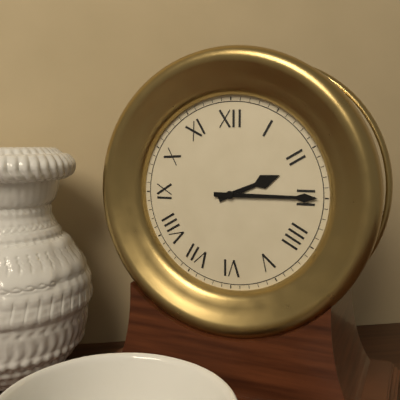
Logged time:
2h15
